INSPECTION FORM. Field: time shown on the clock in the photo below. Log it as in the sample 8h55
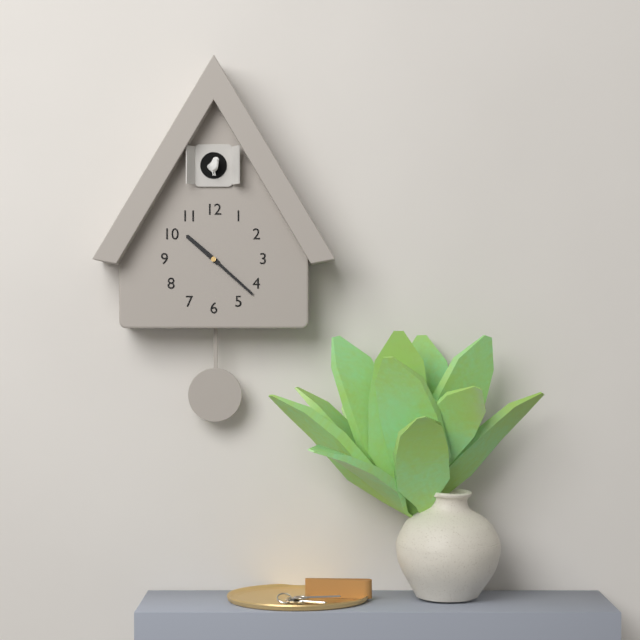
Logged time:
10h22
